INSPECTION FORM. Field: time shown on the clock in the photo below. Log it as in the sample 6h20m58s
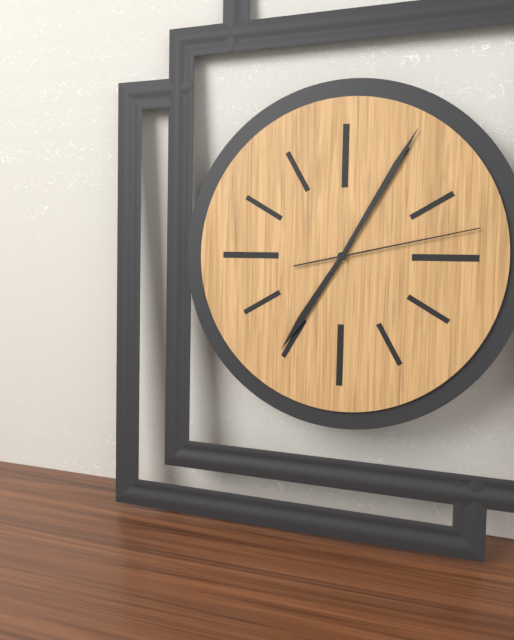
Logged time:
7h05m13s
